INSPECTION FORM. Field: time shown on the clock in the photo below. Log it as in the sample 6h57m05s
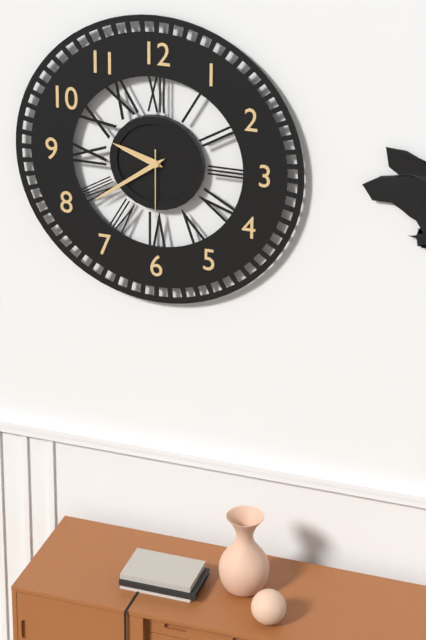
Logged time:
9h39m30s
